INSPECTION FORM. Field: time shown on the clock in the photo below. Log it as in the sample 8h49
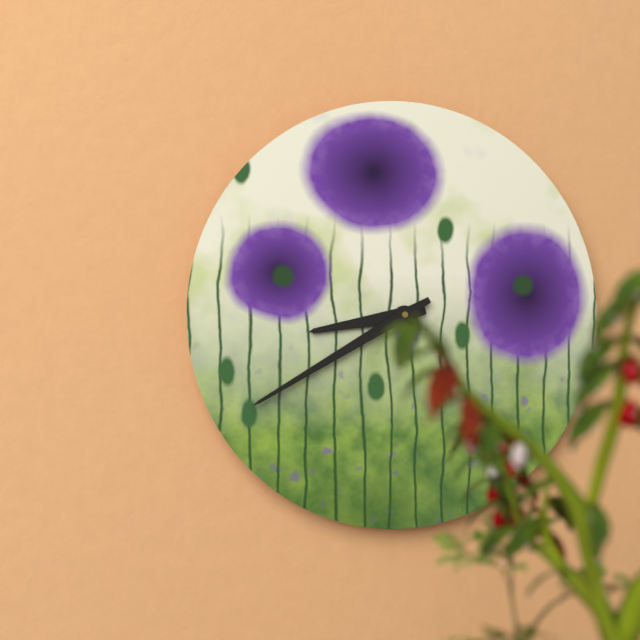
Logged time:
8h40
